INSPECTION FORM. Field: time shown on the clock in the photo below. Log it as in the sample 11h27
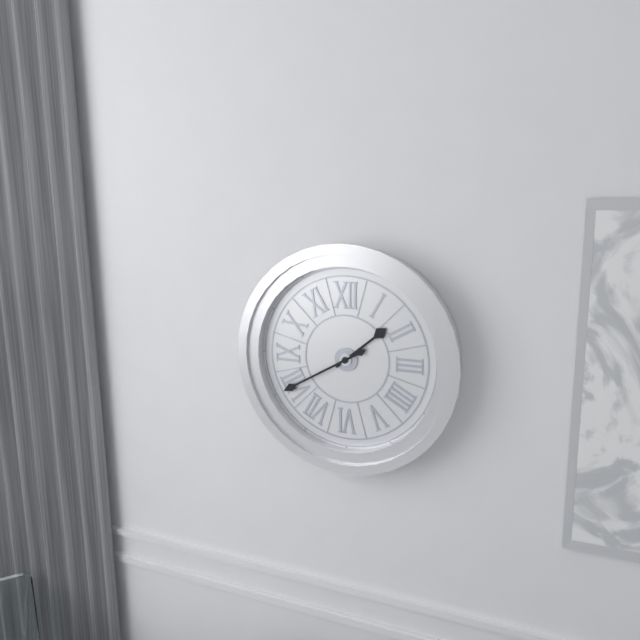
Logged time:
1h40
